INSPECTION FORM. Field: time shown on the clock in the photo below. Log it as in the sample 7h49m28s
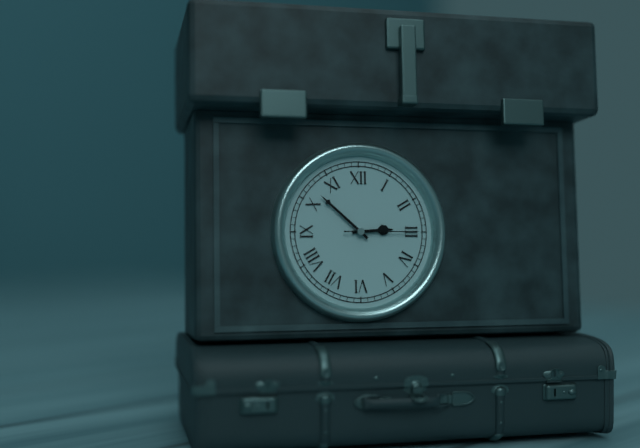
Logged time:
2h52m15s
